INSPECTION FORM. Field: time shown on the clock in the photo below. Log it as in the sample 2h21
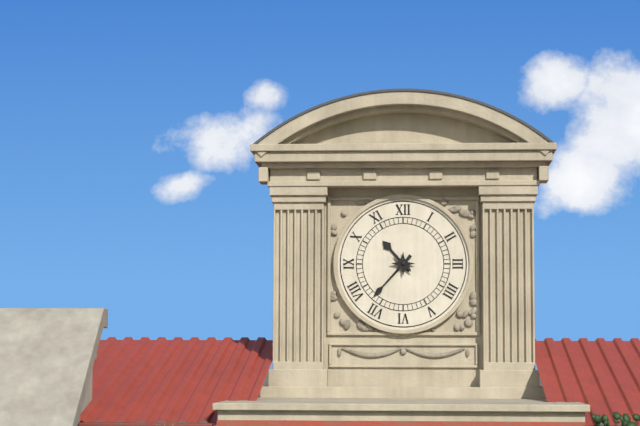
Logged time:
10h37
